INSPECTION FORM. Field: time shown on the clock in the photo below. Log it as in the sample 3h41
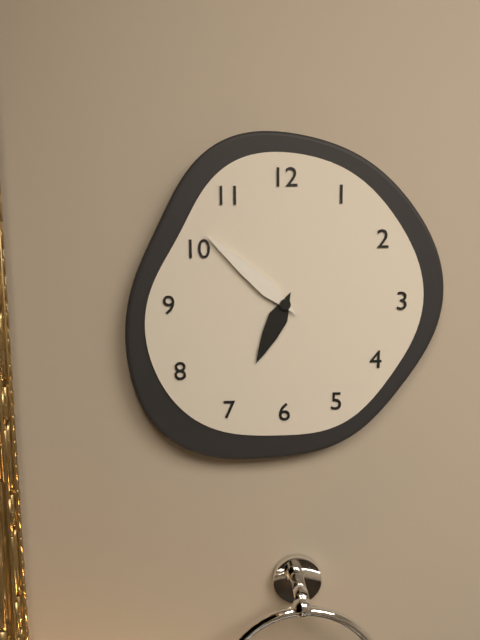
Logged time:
6h52
